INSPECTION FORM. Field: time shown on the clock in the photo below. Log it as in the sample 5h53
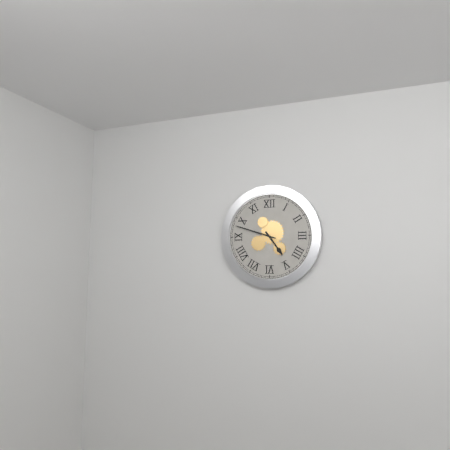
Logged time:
4h48
